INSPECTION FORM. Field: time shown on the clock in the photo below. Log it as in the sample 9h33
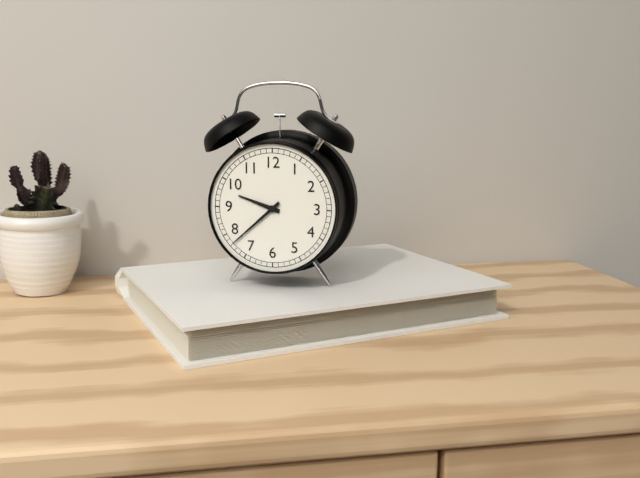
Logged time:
9h38
